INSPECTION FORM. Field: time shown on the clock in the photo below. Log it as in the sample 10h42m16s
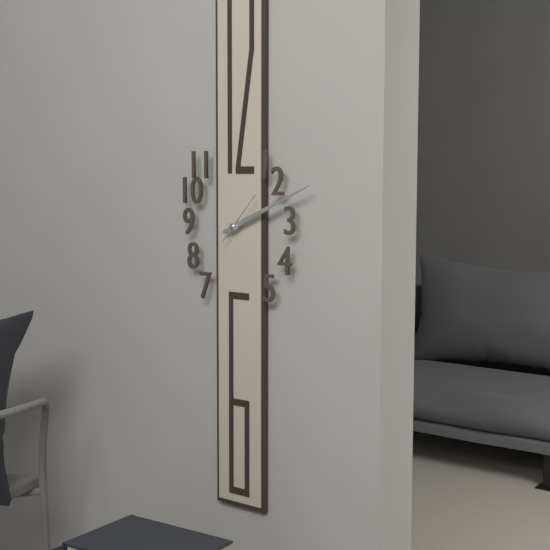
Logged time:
2h11m07s
